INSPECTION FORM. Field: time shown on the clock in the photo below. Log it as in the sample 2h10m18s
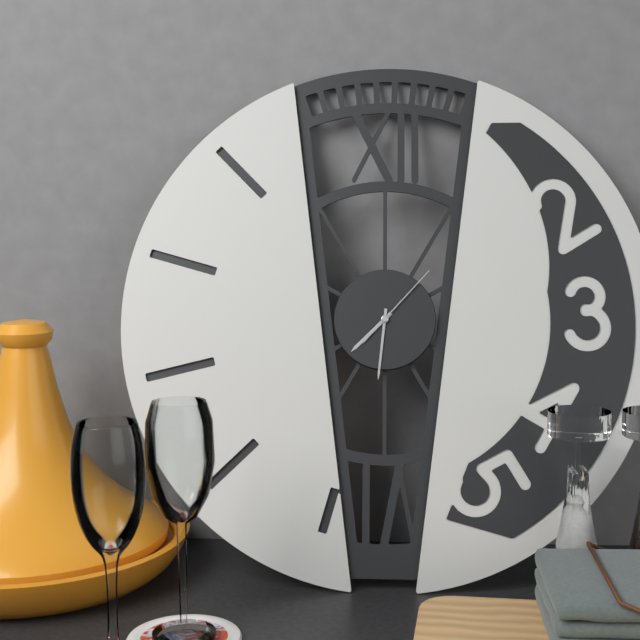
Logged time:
7h31m07s
